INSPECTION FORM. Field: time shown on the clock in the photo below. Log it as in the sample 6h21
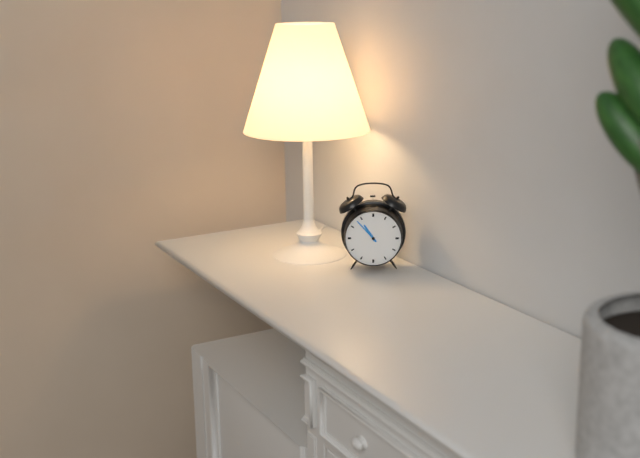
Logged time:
10h53
